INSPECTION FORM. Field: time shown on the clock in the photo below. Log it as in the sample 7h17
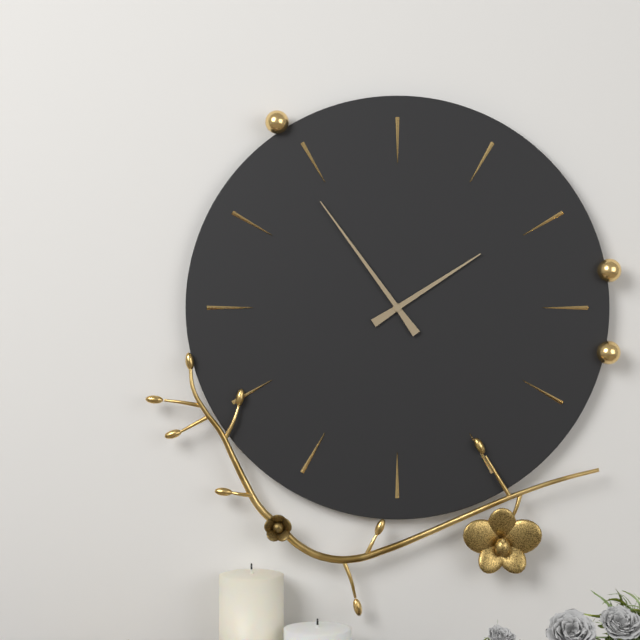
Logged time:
1h54
